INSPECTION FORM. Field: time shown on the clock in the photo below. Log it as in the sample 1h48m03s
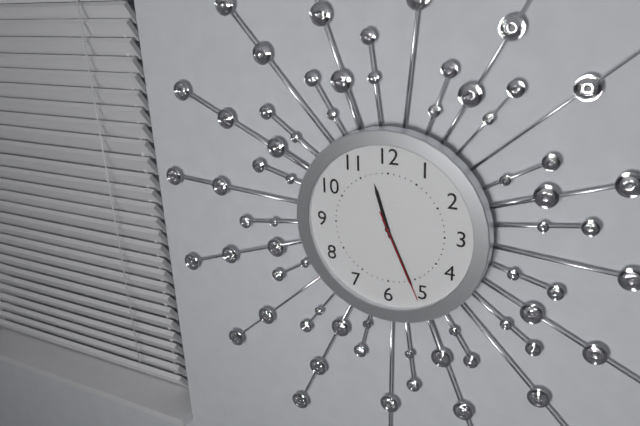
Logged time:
11h26m26s
